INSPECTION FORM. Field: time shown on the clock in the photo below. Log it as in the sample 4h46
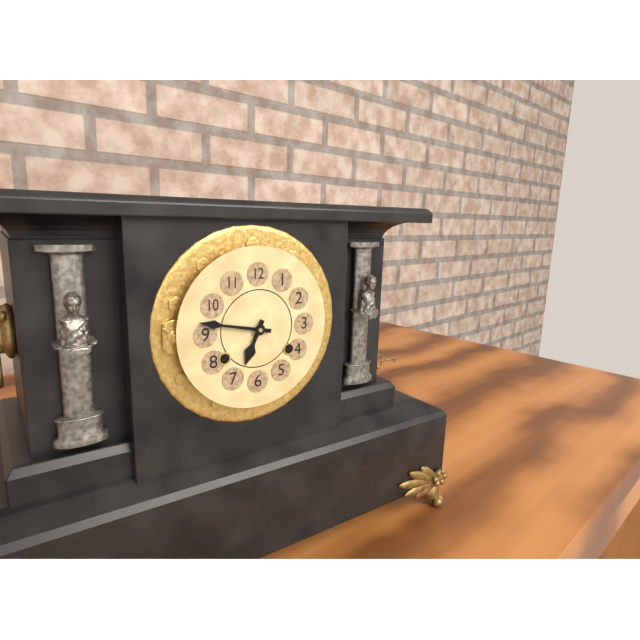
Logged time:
6h47
